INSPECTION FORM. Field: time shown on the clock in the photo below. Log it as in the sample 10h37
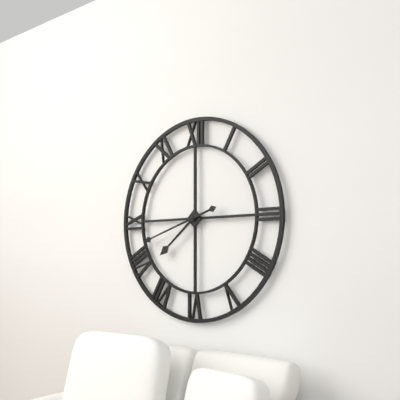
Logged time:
7h42
